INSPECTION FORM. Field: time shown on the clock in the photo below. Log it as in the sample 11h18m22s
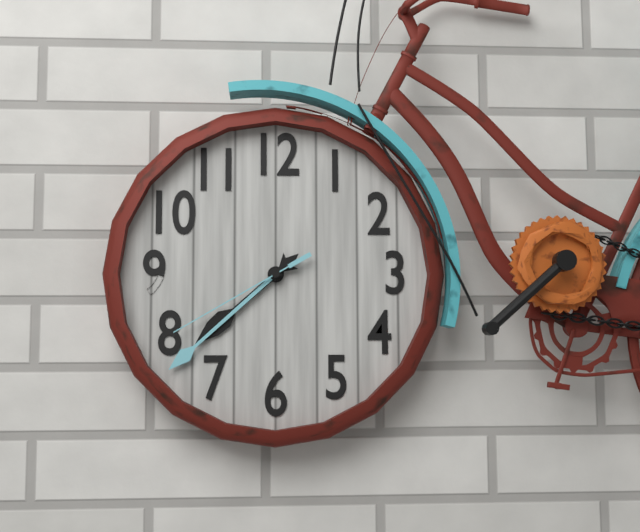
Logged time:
7h38m40s
